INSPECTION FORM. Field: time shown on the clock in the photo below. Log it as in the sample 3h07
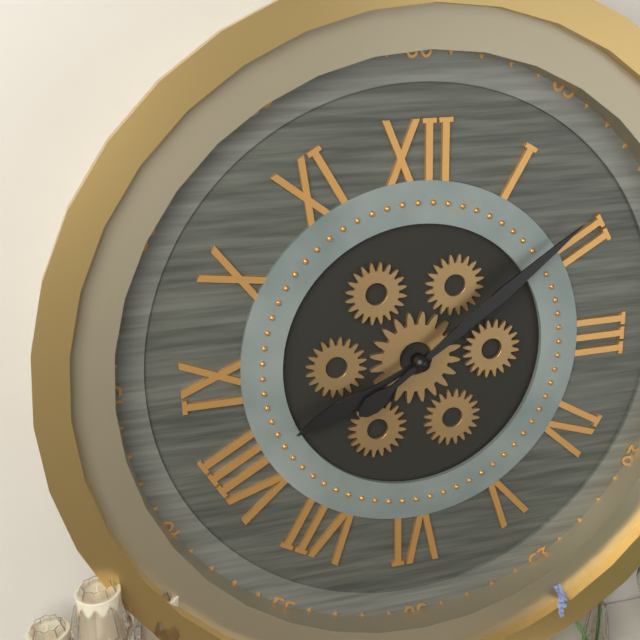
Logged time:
8h09
